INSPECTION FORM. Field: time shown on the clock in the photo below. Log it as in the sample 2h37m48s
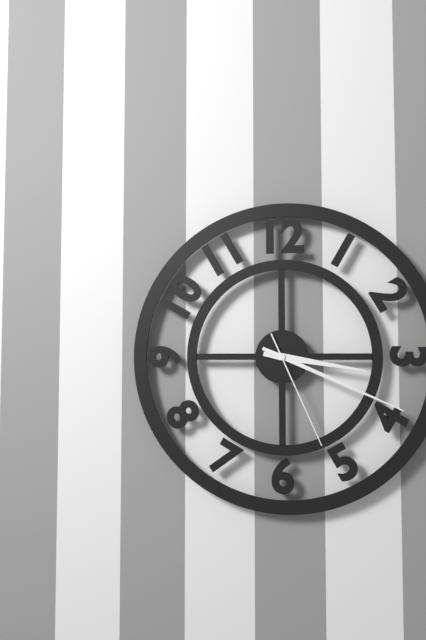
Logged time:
3h19m26s
